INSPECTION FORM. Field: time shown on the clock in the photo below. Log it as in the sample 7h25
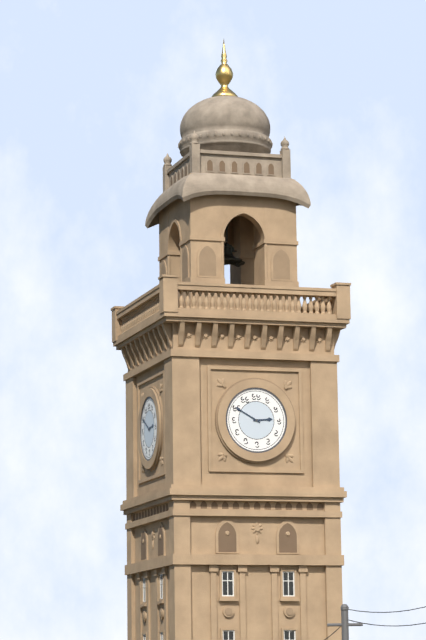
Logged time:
2h50
